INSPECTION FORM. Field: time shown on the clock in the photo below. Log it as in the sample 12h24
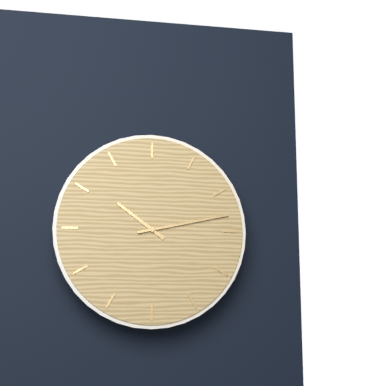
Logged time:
10h13
